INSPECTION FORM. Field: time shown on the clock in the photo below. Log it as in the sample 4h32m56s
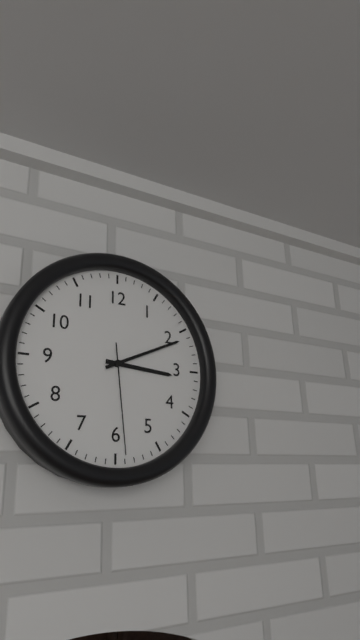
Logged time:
3h11m29s
